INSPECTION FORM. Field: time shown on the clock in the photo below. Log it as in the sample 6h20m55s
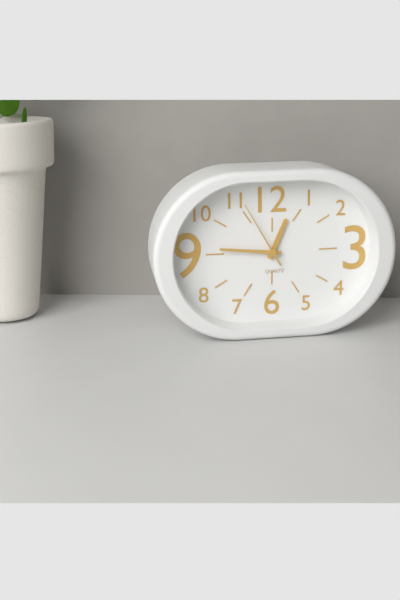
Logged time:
12h46m55s
